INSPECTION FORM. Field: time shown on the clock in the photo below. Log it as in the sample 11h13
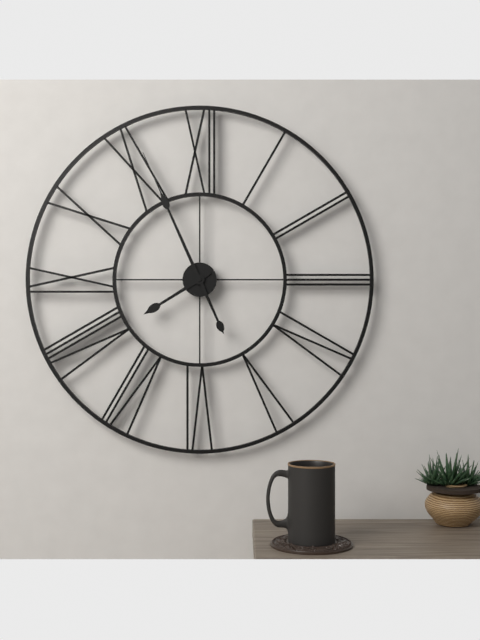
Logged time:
7h56
